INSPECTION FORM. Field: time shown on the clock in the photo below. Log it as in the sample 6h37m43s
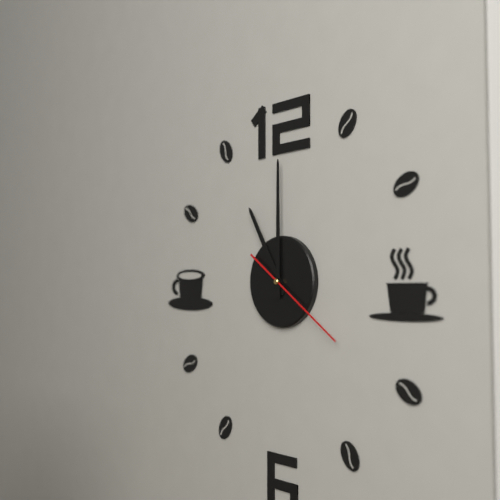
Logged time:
11h00m21s
